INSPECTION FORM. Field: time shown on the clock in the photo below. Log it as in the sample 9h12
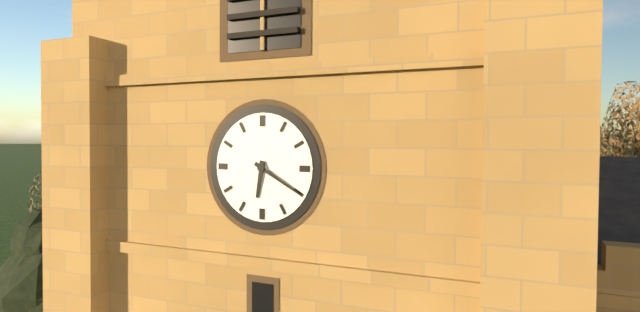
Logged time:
6h20
